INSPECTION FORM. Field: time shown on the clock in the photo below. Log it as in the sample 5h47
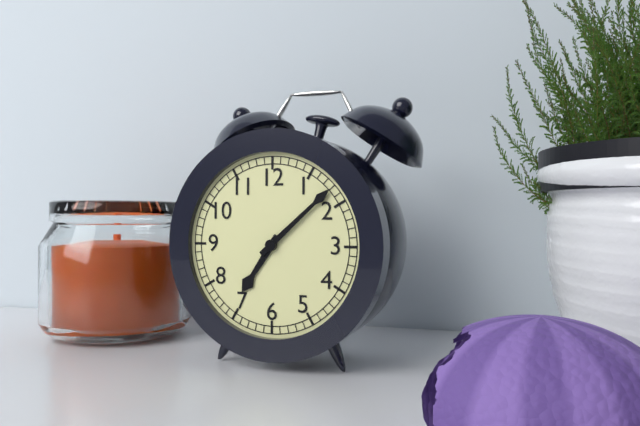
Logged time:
7h08
